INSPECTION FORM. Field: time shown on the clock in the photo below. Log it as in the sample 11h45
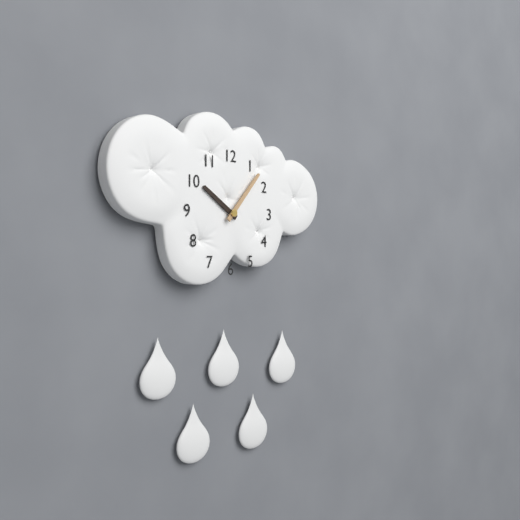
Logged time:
10h07
